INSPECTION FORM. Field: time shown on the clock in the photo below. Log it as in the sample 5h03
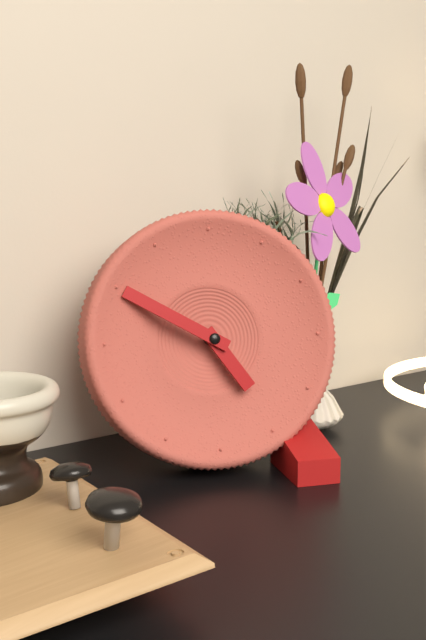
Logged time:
4h50
